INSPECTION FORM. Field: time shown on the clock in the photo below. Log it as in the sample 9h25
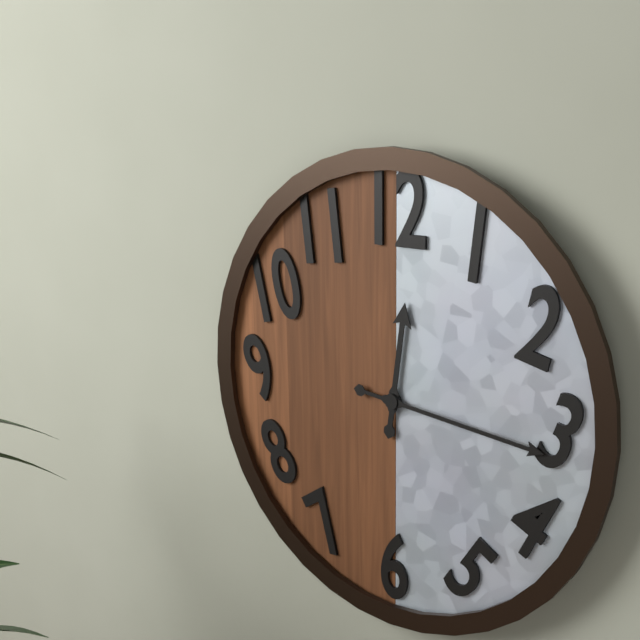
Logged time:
12h16
